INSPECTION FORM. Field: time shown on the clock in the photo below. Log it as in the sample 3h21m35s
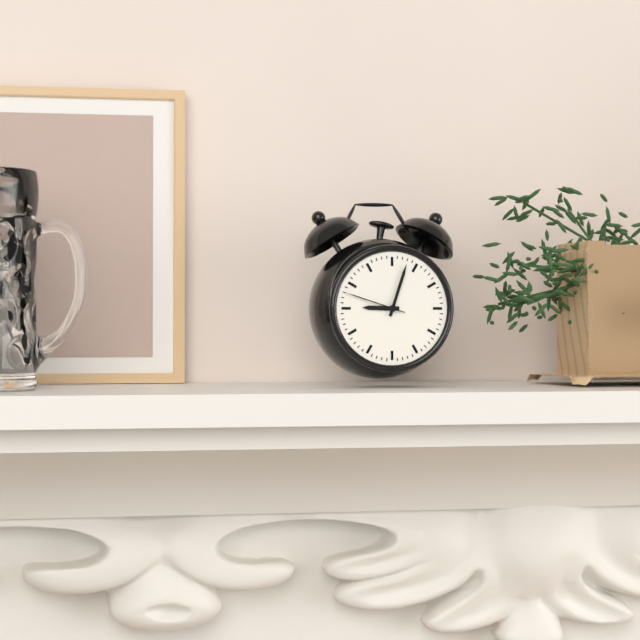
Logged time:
9h03m48s
